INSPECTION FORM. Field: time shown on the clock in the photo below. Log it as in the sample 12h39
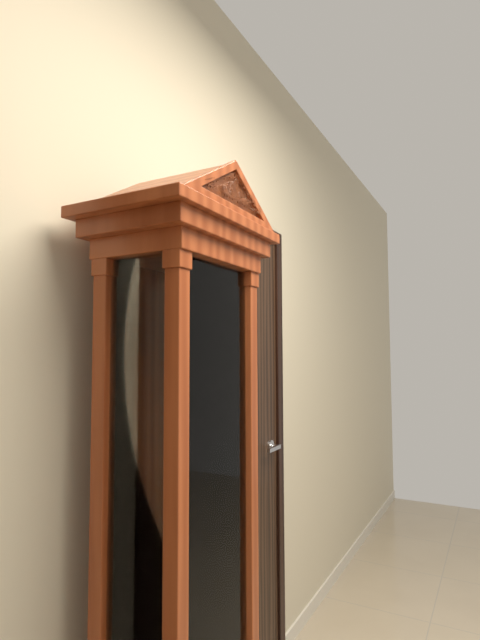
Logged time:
4h51
